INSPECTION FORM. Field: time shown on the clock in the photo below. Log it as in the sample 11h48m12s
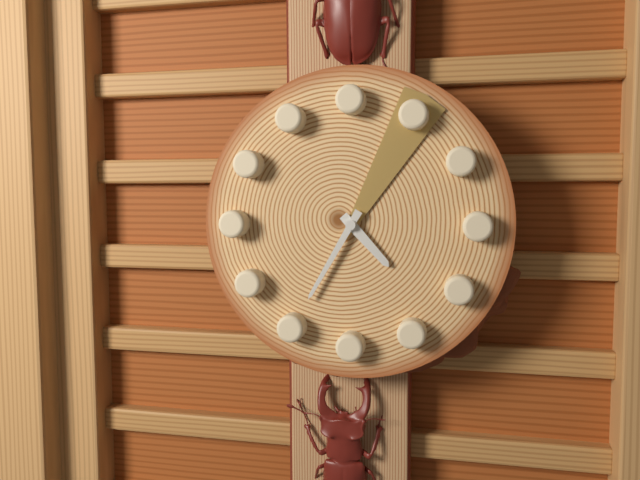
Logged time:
4h35m05s
